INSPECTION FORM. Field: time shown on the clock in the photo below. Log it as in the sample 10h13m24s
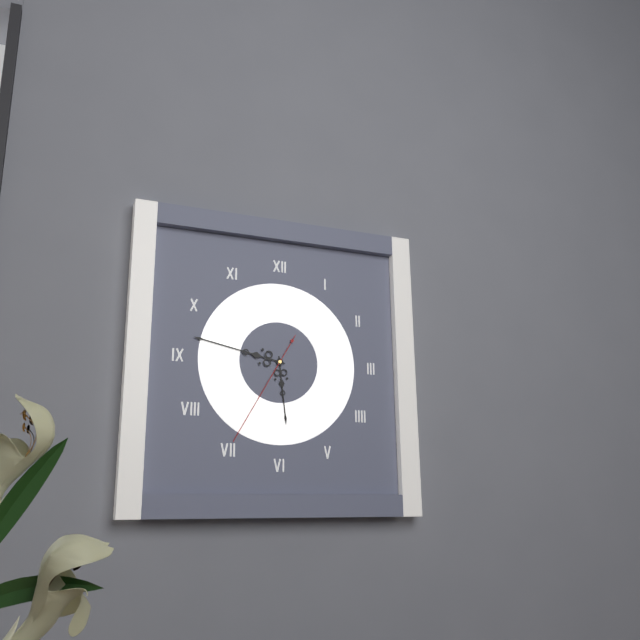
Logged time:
5h47m35s
